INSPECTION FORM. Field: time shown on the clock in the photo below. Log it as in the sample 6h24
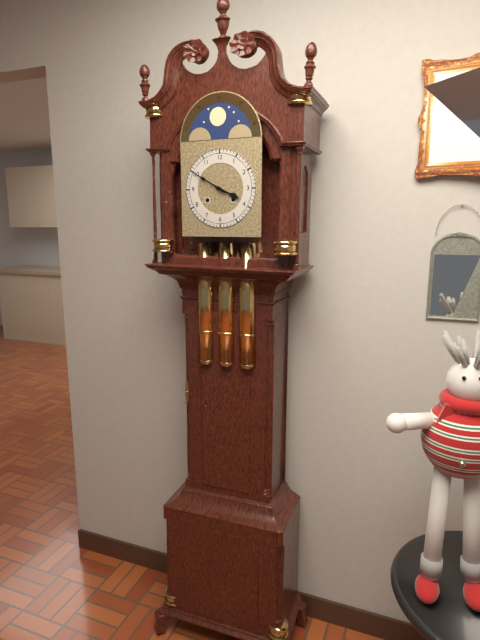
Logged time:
3h50
